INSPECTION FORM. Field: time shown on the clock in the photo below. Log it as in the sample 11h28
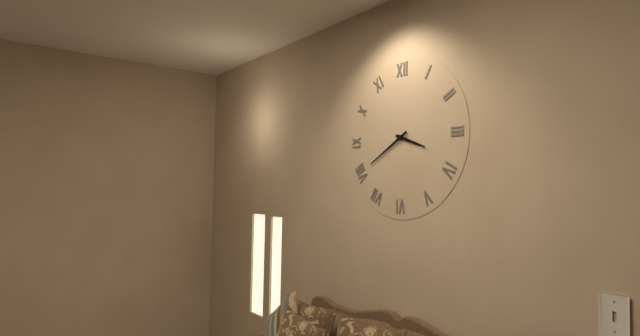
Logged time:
3h40
